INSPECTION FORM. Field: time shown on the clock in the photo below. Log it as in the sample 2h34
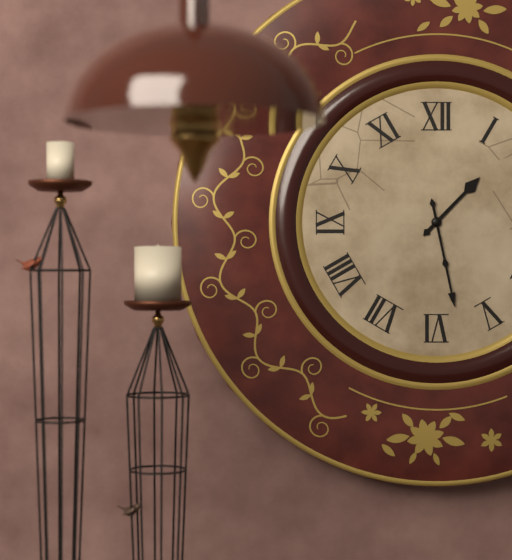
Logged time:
1h28
